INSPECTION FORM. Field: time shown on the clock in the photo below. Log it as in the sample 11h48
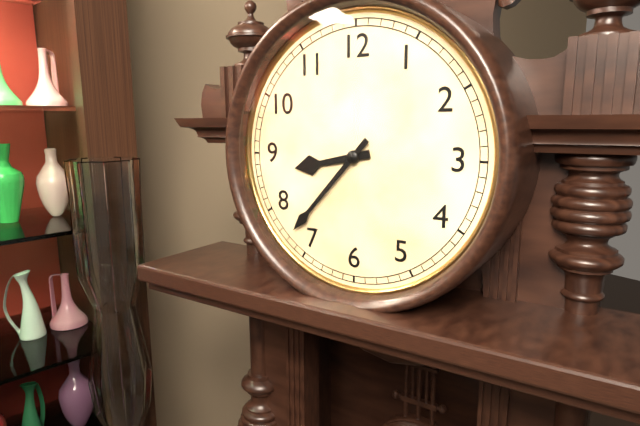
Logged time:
8h37
